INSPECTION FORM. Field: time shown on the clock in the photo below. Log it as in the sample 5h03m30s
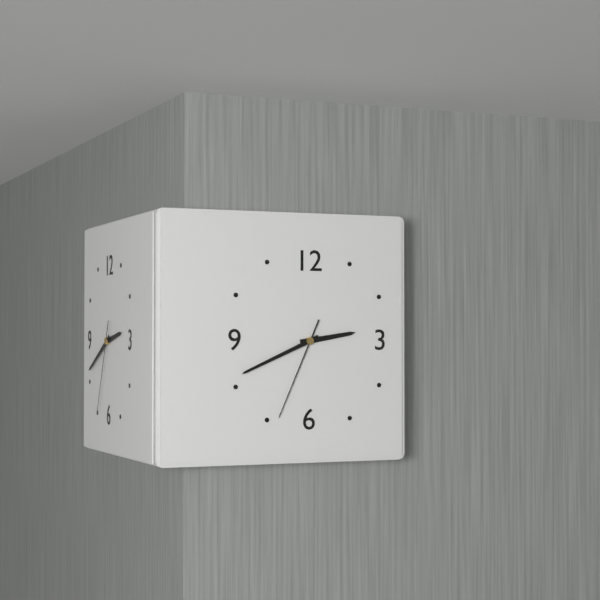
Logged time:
2h41m34s
